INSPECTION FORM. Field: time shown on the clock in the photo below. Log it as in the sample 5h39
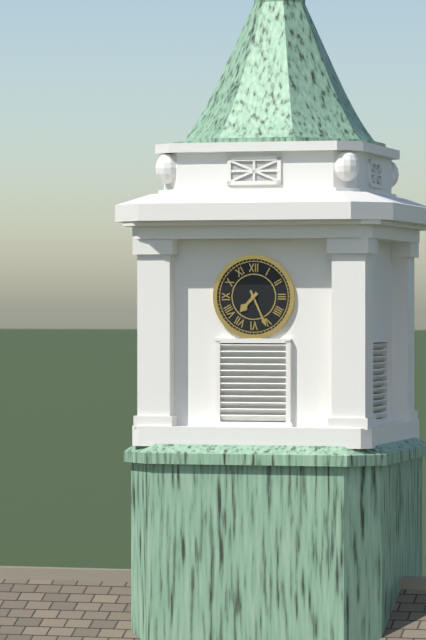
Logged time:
7h26
